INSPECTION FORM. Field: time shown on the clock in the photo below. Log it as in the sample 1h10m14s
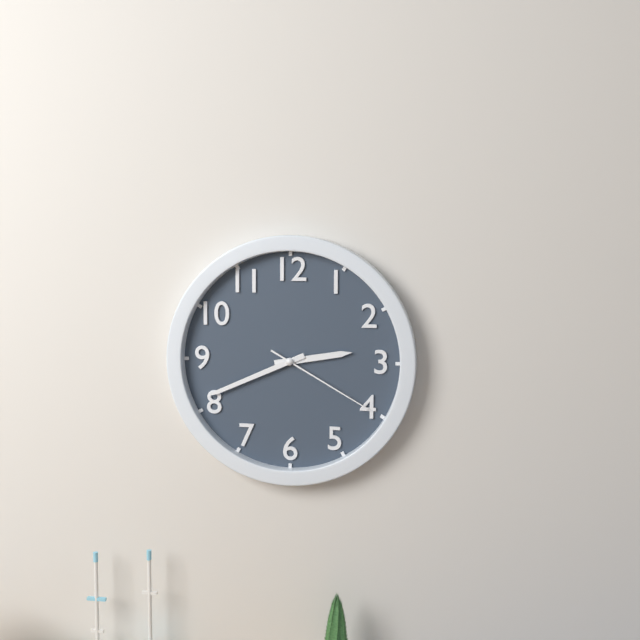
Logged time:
2h41m20s
